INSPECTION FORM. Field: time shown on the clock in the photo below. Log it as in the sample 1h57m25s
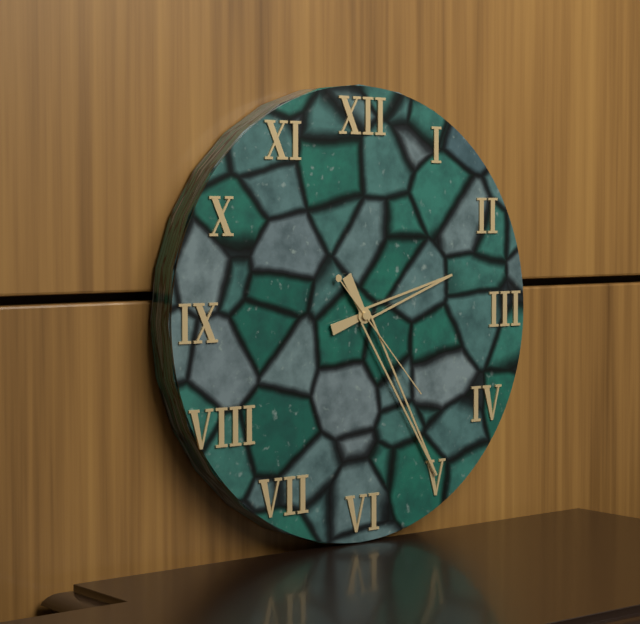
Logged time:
2h25m23s
